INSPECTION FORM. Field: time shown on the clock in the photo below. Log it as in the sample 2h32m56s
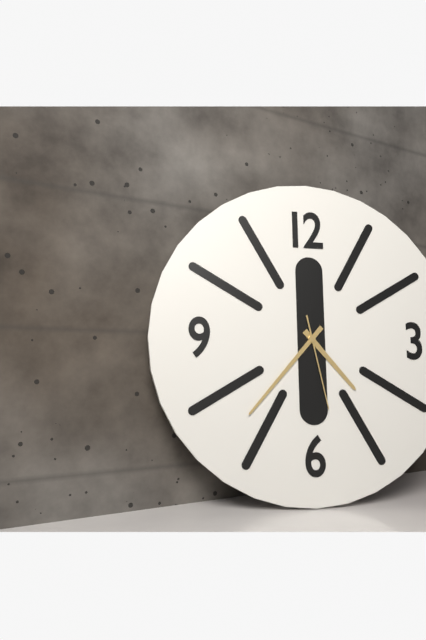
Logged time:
4h37m28s
